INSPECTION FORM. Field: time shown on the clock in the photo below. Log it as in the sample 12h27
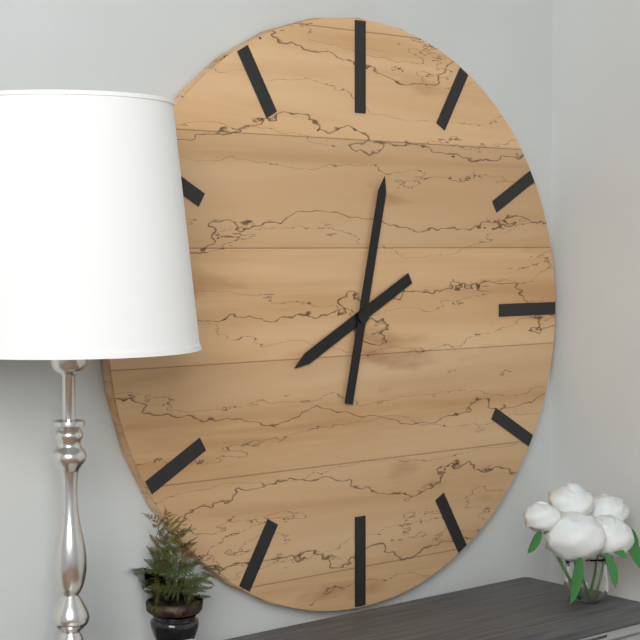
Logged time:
8h02
